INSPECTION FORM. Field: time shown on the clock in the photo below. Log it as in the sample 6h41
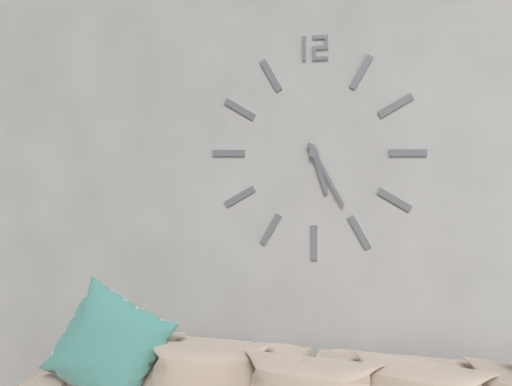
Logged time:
5h25
